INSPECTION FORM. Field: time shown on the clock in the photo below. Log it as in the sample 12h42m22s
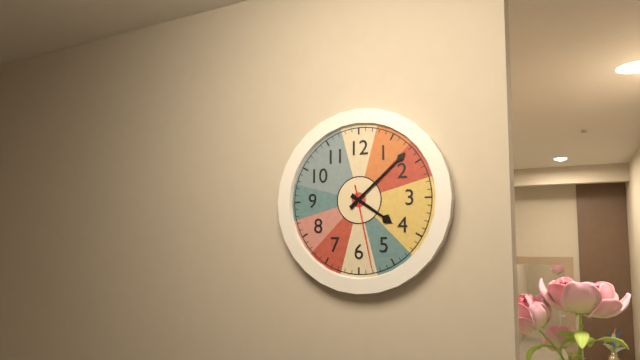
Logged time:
4h08m28s
